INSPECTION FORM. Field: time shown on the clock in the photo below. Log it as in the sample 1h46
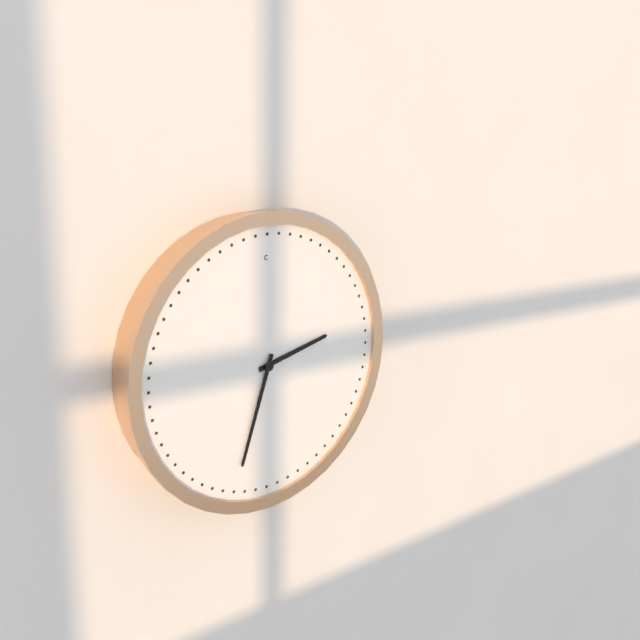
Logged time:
2h33
